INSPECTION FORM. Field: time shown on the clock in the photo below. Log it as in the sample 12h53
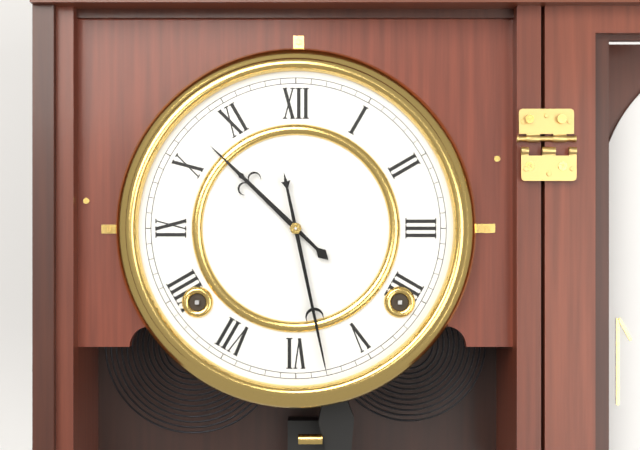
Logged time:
10h28
